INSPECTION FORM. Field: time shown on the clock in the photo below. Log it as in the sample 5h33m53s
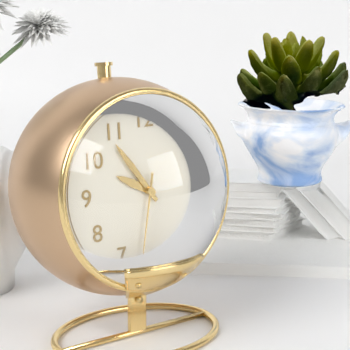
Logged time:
9h54m32s
